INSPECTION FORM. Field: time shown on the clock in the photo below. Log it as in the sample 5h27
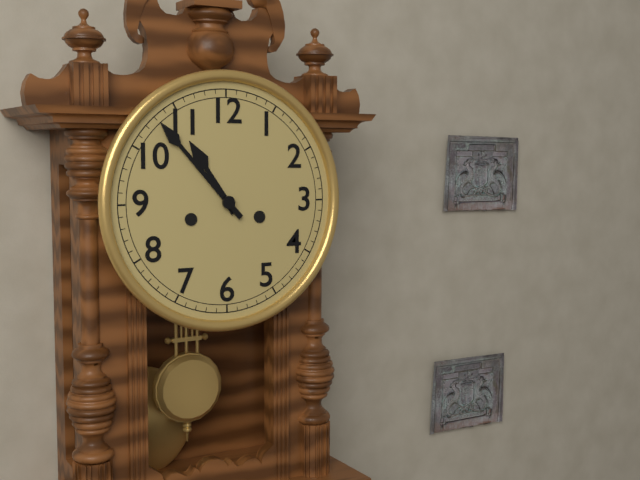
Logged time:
10h53
